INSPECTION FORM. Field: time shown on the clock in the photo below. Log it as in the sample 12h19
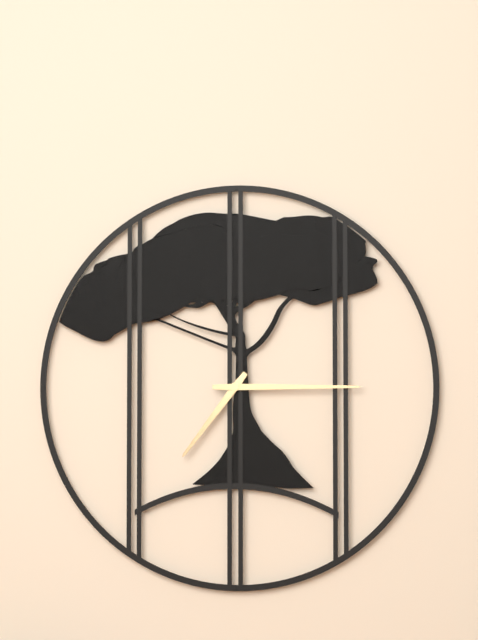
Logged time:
7h15
